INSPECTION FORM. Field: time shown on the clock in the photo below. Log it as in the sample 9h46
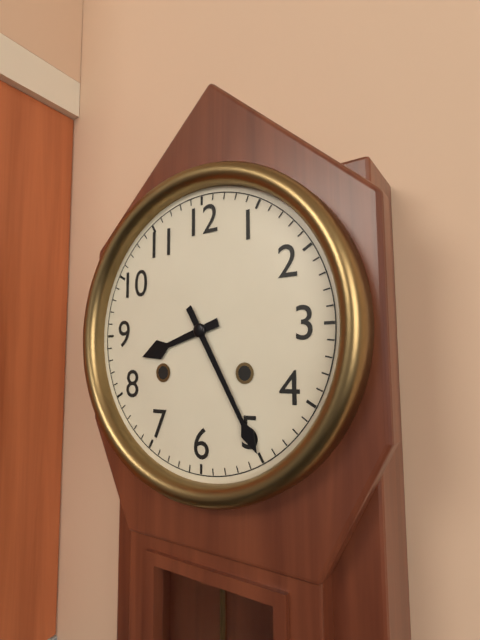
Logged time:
8h25
